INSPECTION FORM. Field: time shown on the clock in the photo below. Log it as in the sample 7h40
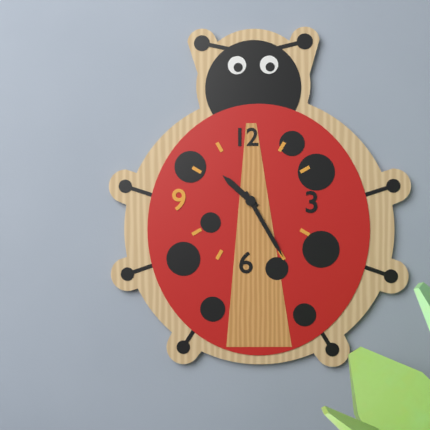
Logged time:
10h25
